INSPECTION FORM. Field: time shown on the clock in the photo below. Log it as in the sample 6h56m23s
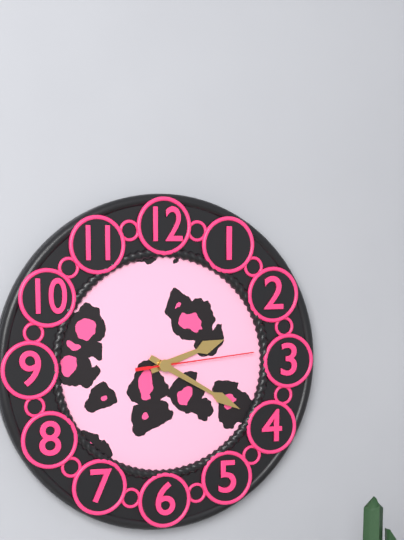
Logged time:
2h20m14s
